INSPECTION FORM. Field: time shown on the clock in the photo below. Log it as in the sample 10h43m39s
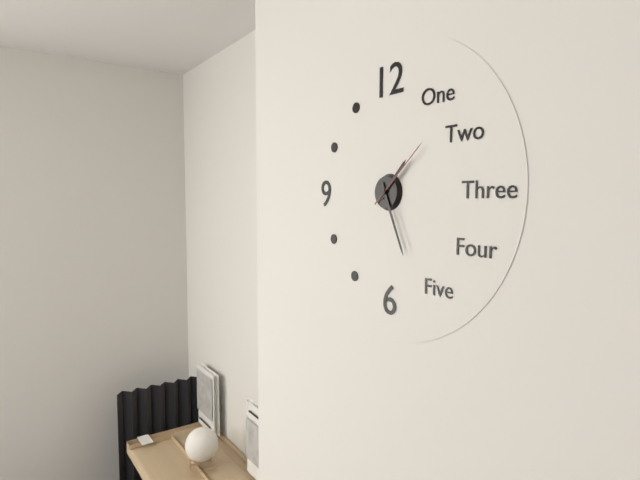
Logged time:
1h26m08s
